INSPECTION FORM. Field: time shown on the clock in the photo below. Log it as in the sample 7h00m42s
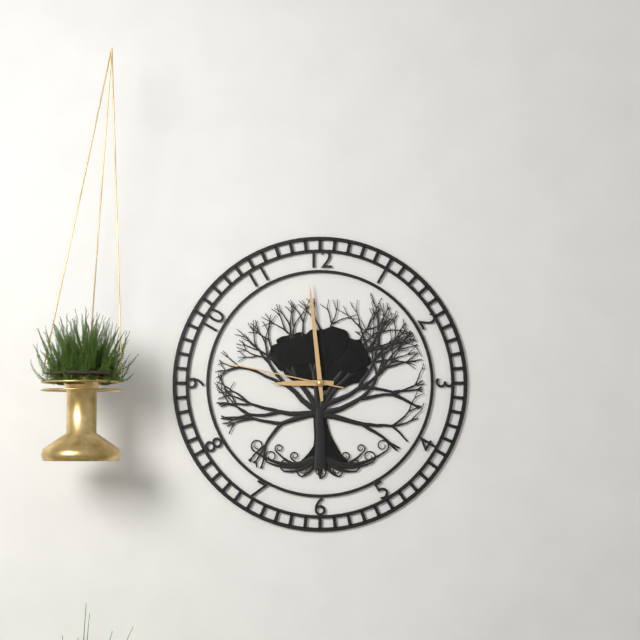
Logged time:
8h59m47s
